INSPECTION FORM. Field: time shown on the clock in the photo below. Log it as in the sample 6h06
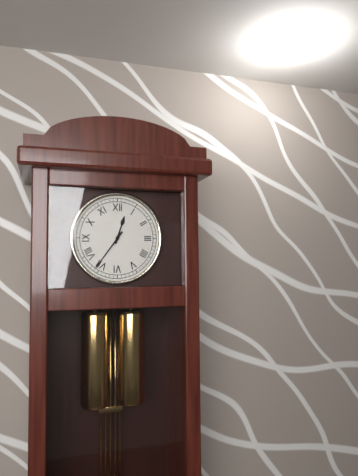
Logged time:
12h36
